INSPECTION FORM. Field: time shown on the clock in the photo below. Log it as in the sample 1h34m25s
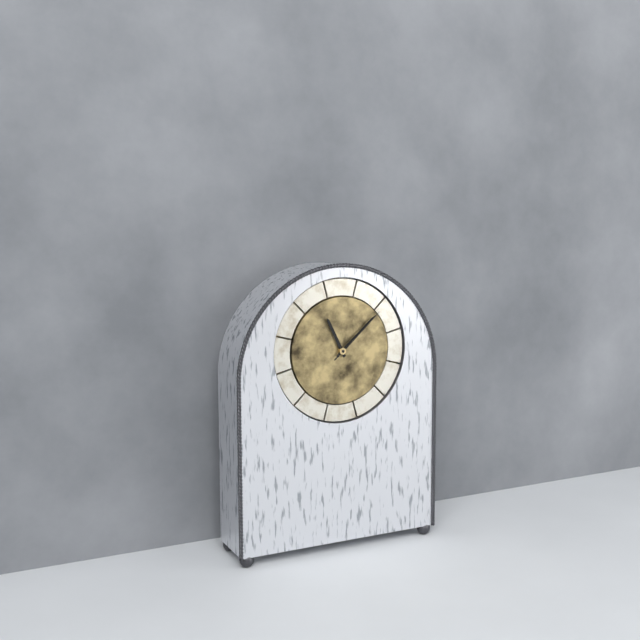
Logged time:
11h08m08s
